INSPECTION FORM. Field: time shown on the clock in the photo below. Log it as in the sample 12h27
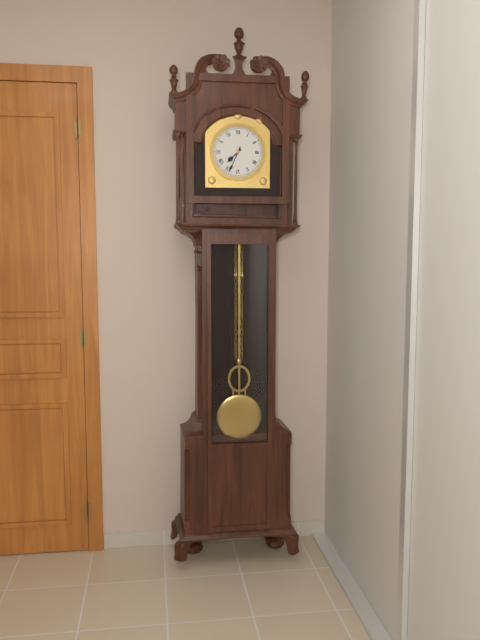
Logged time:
7h34
